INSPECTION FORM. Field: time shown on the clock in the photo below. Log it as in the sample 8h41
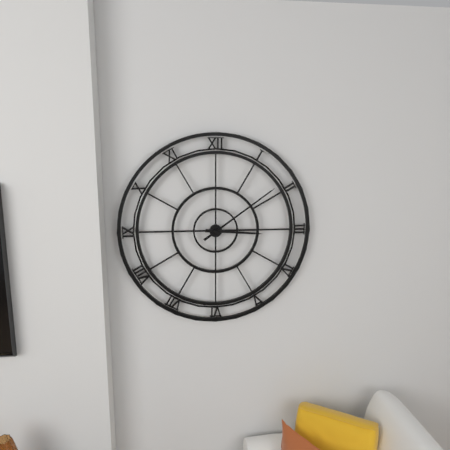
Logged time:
3h09
